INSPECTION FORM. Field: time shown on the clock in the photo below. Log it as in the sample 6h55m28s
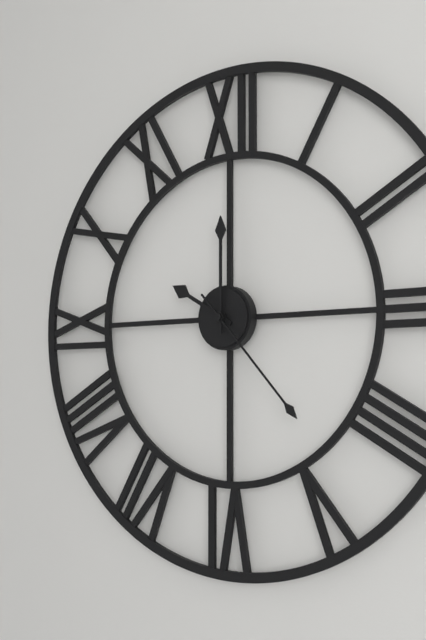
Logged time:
10h00m23s
